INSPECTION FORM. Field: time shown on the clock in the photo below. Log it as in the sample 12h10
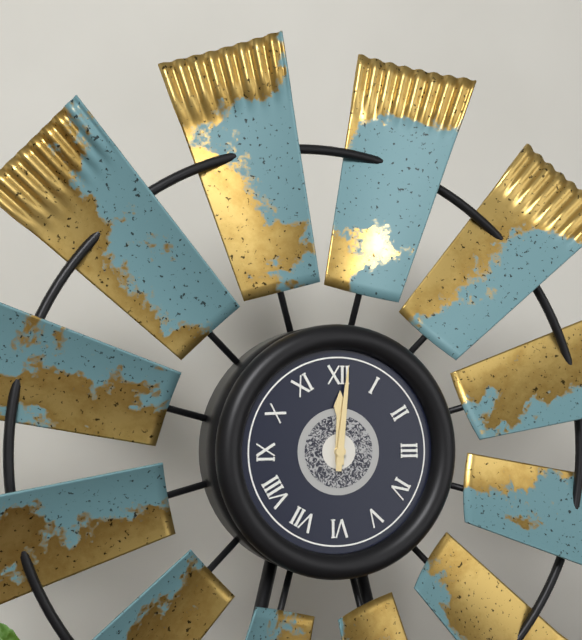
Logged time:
12h01
